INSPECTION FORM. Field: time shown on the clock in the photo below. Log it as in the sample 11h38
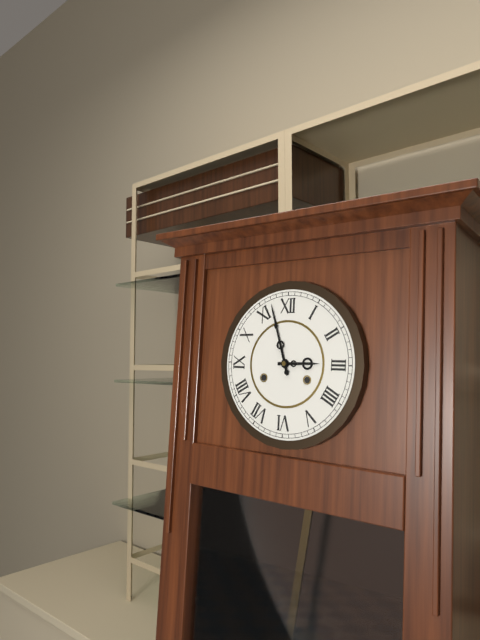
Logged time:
2h57
